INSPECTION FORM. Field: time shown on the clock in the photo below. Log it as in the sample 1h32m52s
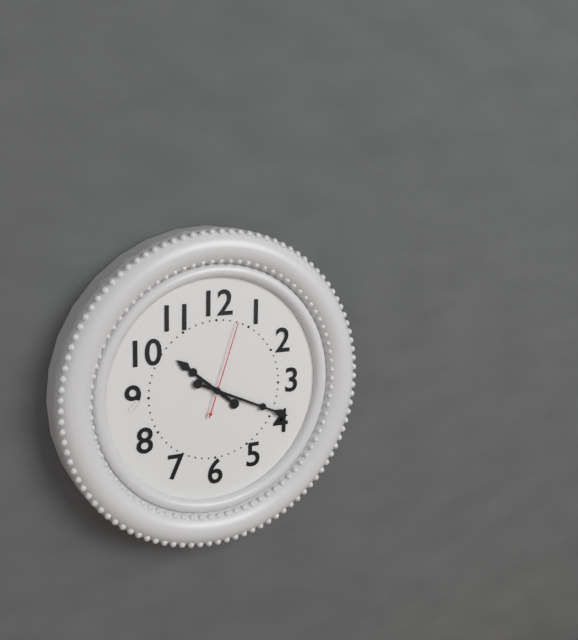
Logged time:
10h19m03s
